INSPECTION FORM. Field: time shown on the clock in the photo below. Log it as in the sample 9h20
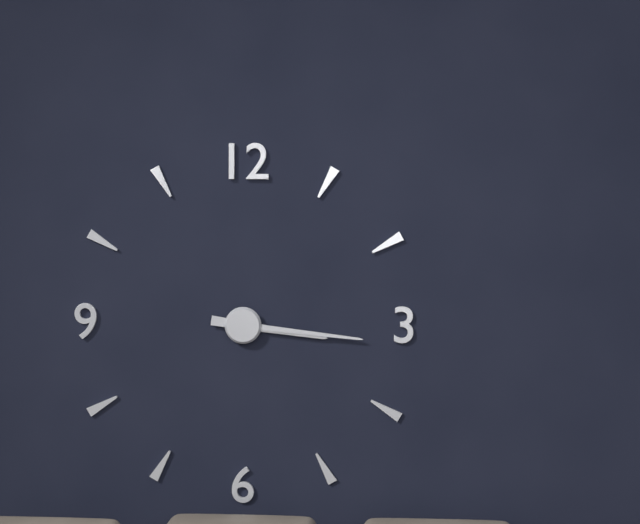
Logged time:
3h16
